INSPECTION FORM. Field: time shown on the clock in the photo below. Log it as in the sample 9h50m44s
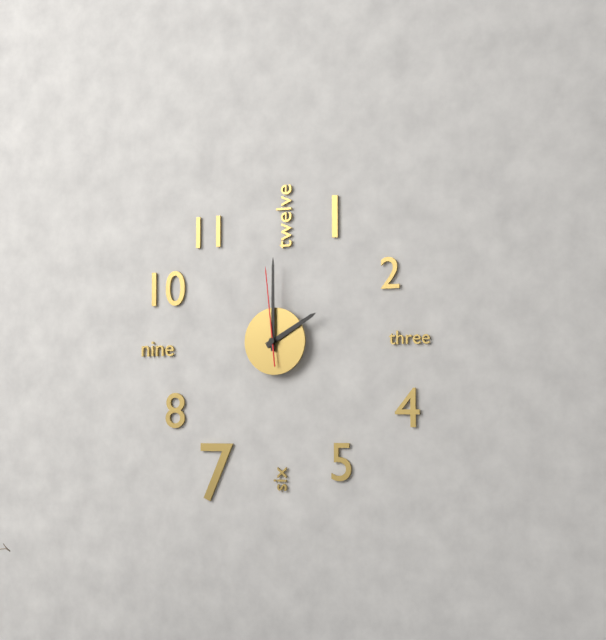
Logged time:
2h00m59s
